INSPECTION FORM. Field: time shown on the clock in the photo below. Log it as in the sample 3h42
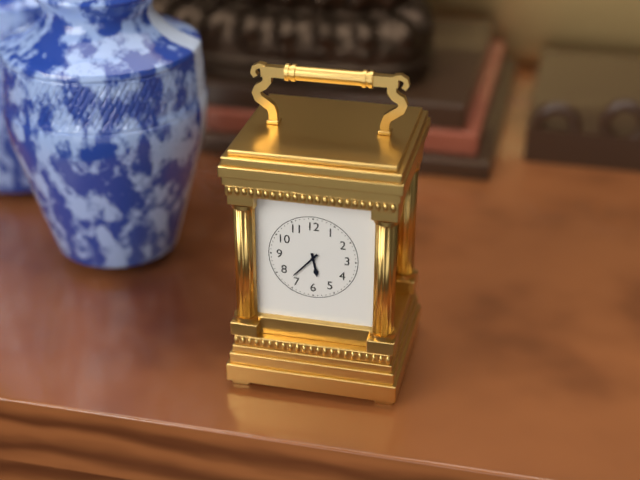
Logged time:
5h37
